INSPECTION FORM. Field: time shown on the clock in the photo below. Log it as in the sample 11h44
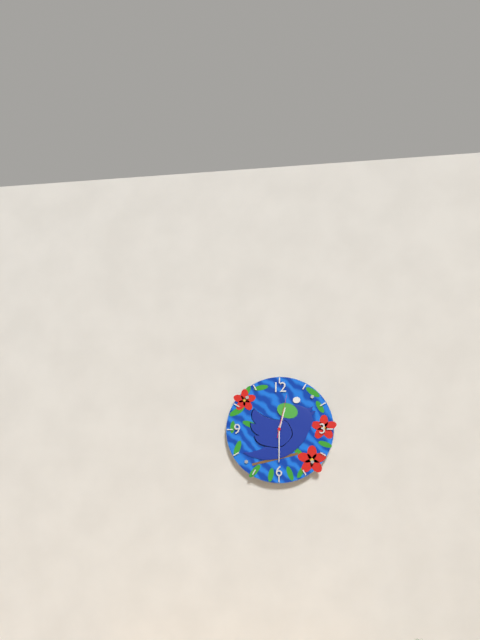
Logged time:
12h30
